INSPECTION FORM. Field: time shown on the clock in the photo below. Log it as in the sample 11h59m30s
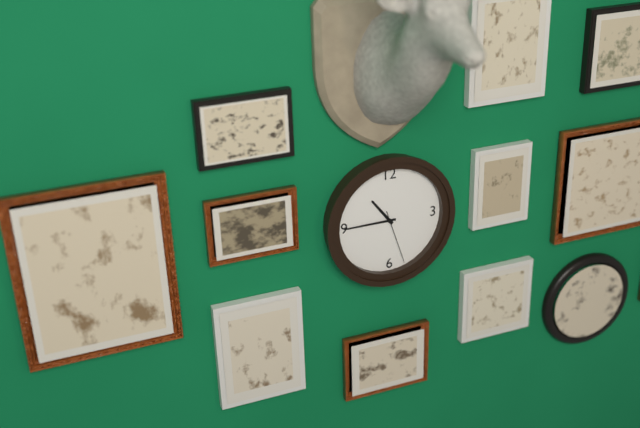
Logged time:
10h45m27s
